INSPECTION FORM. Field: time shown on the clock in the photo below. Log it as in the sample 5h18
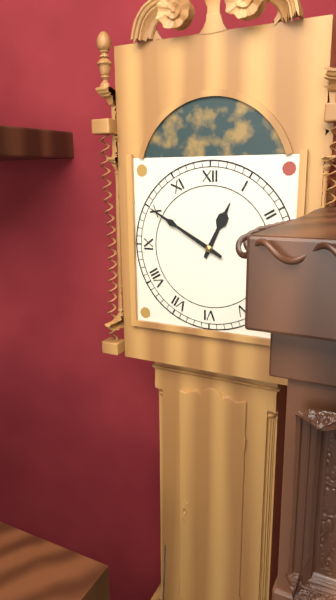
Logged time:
12h50
